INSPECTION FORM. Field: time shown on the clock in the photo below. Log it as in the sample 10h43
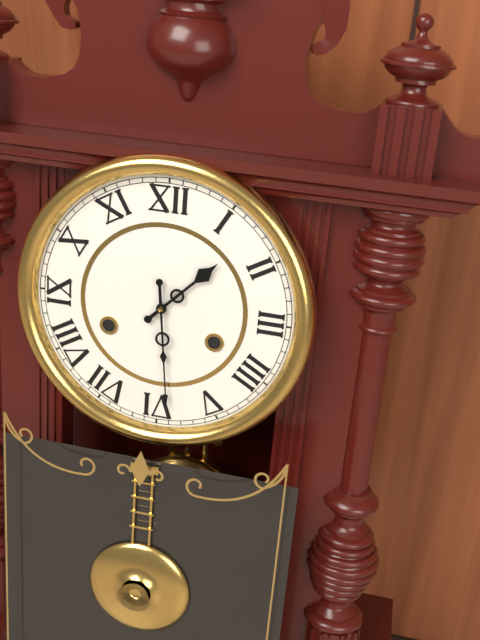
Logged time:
1h29
